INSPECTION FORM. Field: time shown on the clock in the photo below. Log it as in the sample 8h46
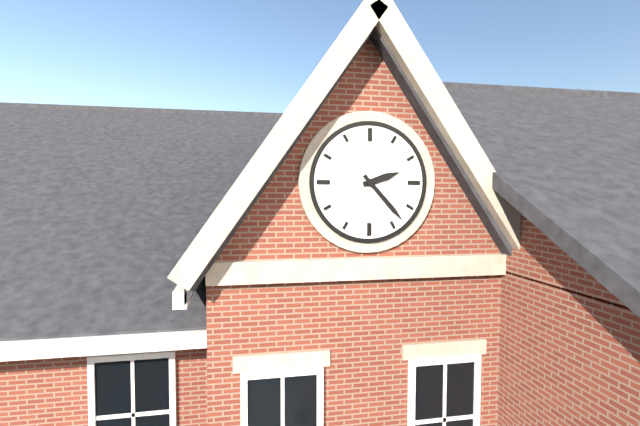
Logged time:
2h23
